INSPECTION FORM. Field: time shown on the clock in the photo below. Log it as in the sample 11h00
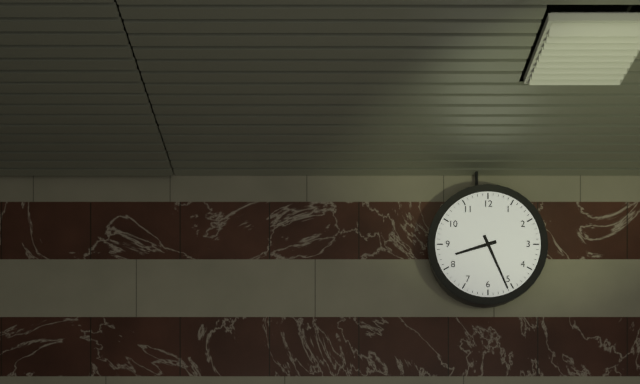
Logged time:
8h26
